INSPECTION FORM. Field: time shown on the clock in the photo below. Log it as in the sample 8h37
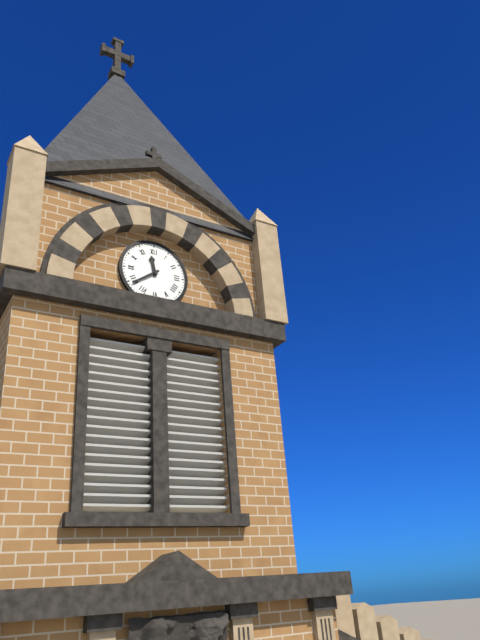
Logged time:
11h39
